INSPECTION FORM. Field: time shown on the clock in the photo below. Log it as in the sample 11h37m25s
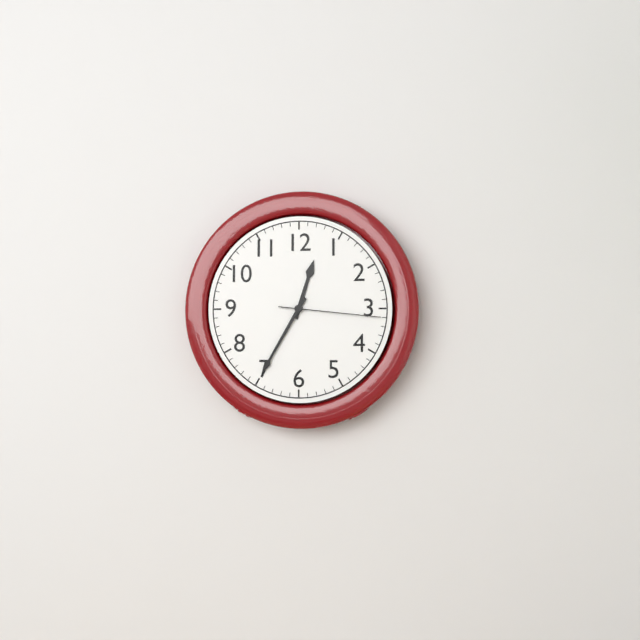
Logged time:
12h35m16s
